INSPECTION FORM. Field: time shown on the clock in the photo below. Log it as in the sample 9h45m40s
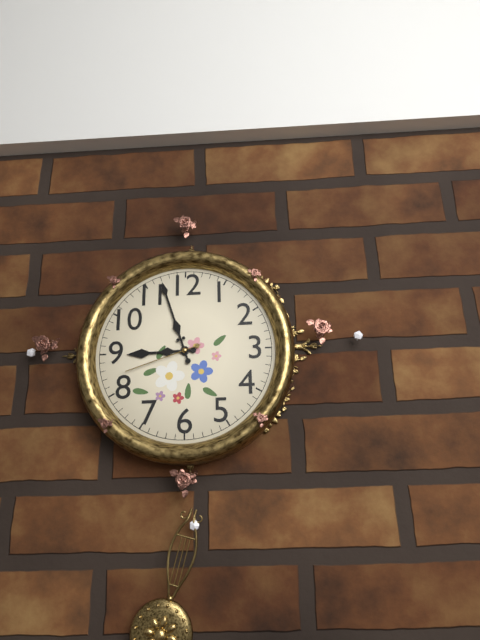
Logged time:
8h57m42s
